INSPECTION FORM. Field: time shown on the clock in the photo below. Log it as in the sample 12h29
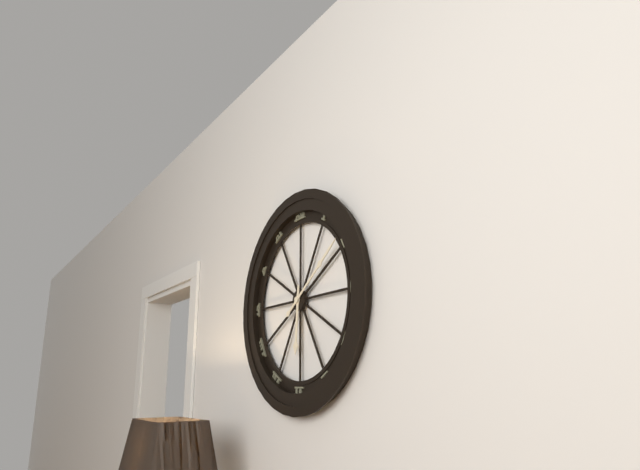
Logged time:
6h09
